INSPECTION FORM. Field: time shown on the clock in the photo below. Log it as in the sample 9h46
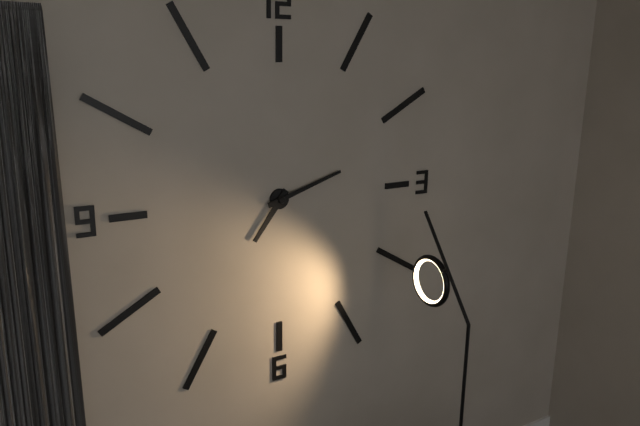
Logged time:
7h12
